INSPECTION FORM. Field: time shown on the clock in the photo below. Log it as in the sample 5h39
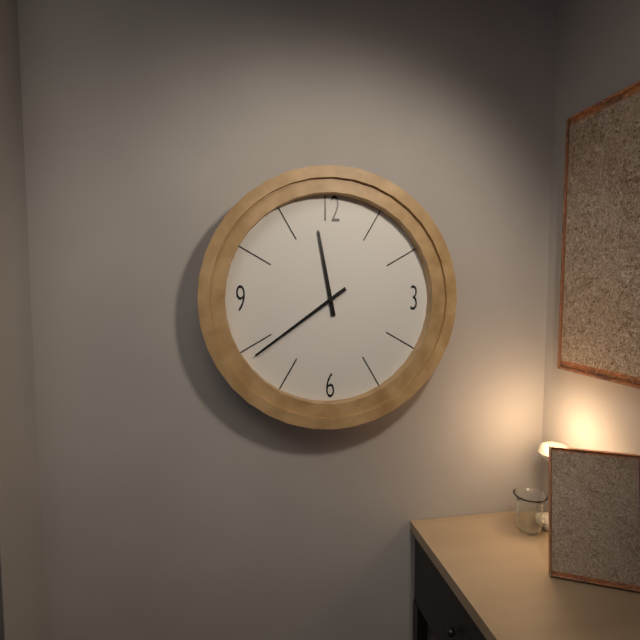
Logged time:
11h39
